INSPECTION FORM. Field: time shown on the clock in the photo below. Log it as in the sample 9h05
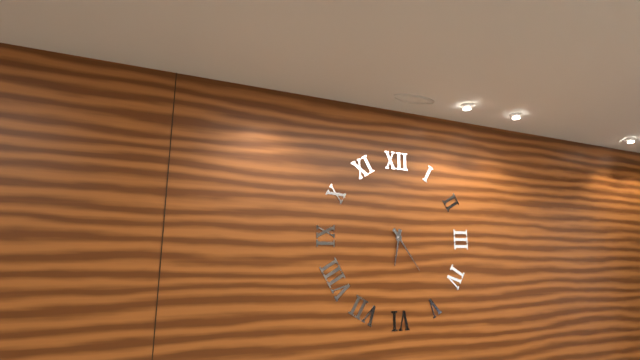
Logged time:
6h24
